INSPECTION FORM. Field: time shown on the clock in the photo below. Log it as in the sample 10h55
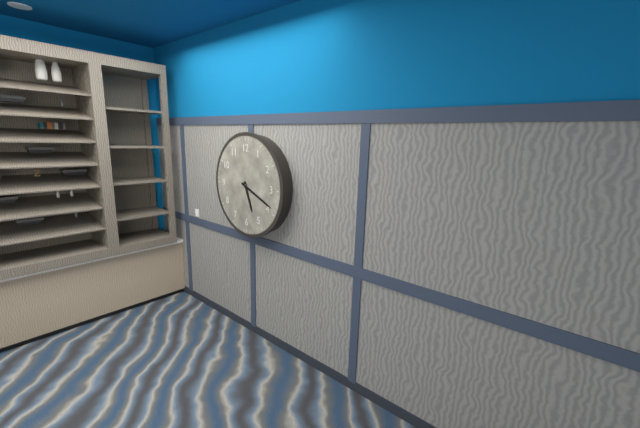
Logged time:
5h19
